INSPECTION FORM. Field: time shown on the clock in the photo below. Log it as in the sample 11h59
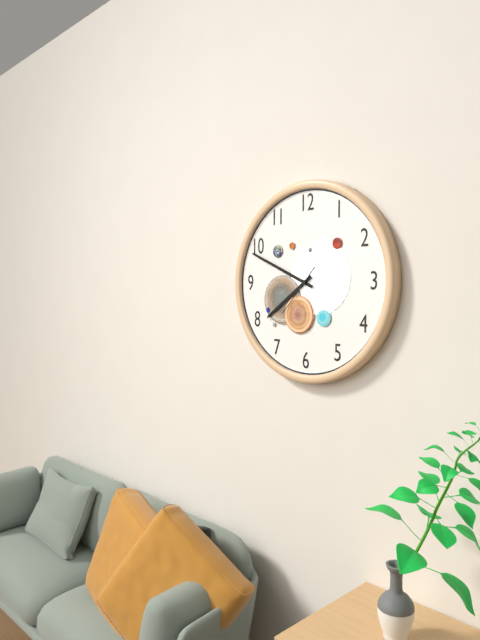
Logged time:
7h49
